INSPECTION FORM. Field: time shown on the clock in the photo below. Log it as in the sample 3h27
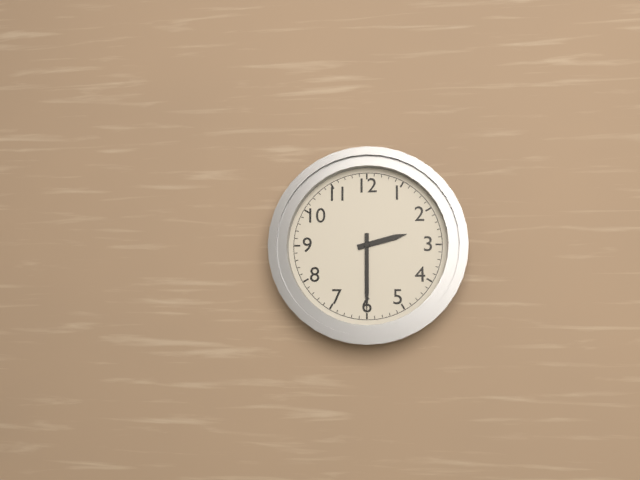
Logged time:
2h30
